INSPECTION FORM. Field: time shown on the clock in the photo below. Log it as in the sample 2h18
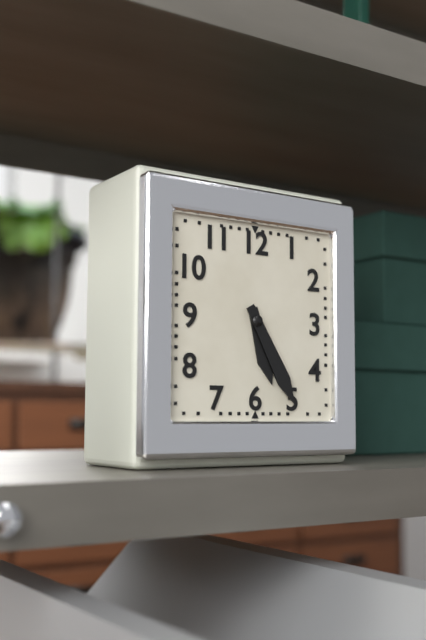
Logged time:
5h25
